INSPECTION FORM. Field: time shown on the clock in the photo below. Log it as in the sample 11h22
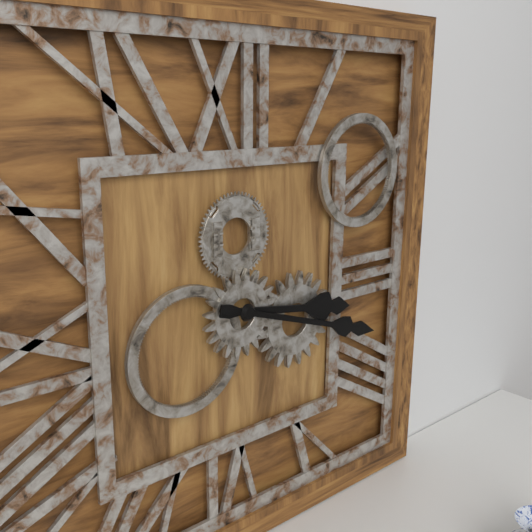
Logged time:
3h18
